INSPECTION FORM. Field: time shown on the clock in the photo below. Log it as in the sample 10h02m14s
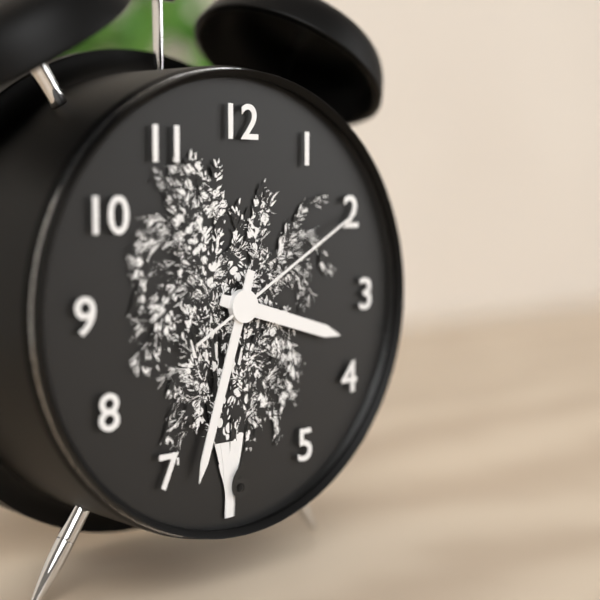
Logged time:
3h33m10s
